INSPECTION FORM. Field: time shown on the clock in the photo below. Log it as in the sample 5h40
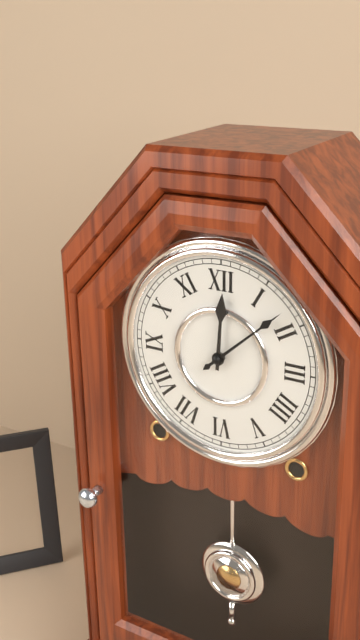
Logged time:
12h08
